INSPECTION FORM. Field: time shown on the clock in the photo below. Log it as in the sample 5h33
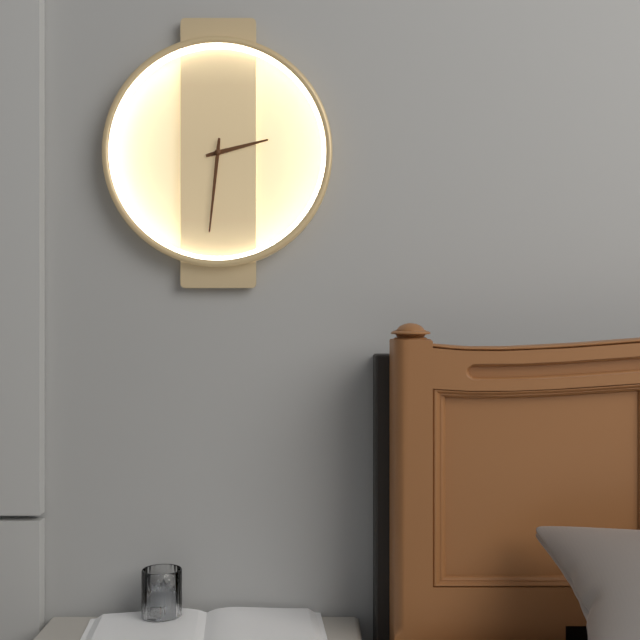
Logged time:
2h31
